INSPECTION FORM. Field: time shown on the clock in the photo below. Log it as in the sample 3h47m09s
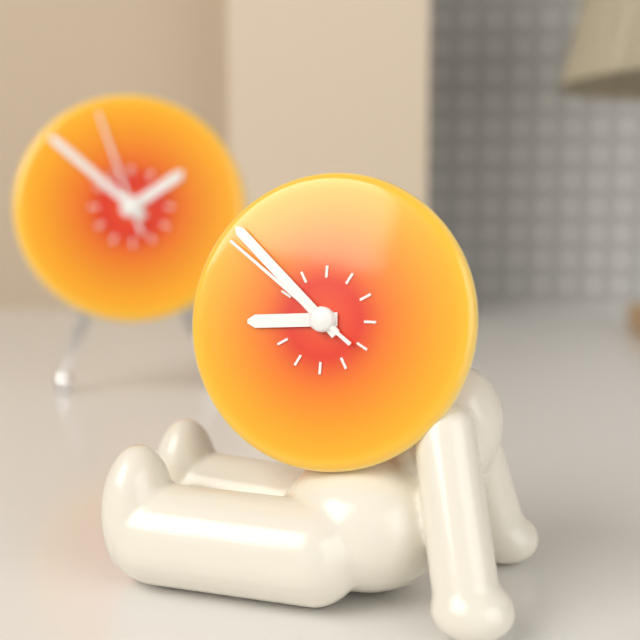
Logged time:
8h52m51s
